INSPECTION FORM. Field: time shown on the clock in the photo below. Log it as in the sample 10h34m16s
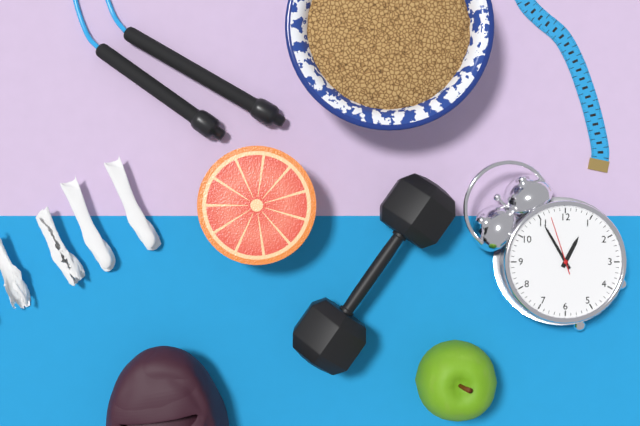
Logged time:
12h55m57s
